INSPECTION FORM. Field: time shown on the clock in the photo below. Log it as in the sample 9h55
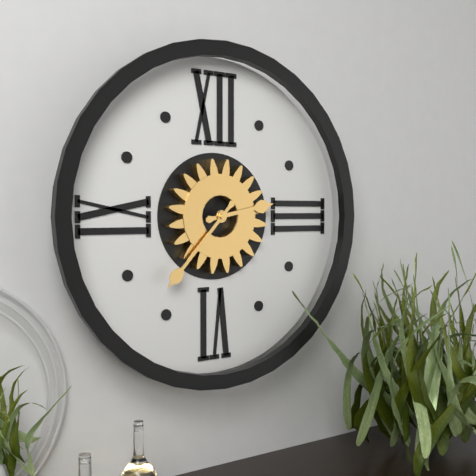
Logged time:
2h37
